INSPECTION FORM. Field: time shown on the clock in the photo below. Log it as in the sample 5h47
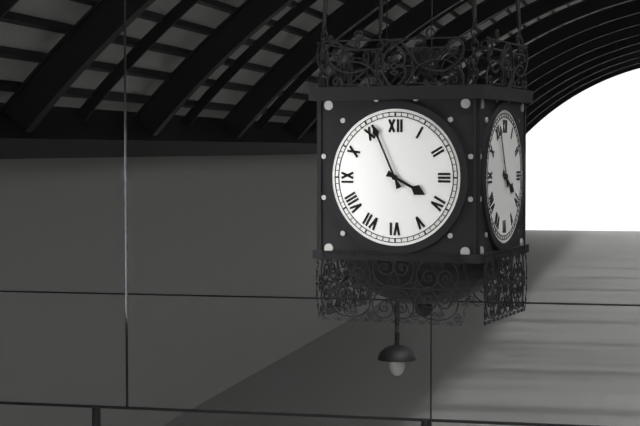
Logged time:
3h56
